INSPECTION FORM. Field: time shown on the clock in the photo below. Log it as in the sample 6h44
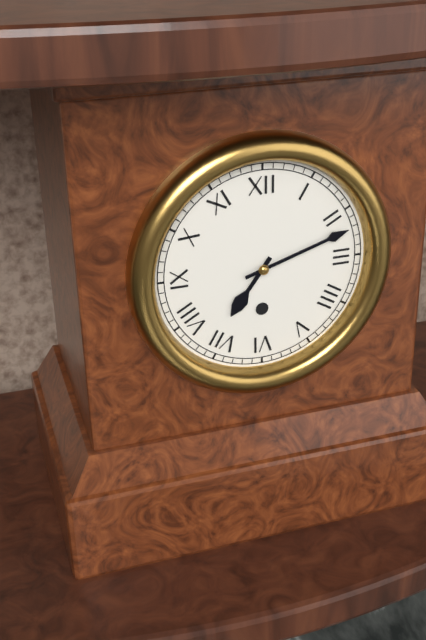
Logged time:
7h12
